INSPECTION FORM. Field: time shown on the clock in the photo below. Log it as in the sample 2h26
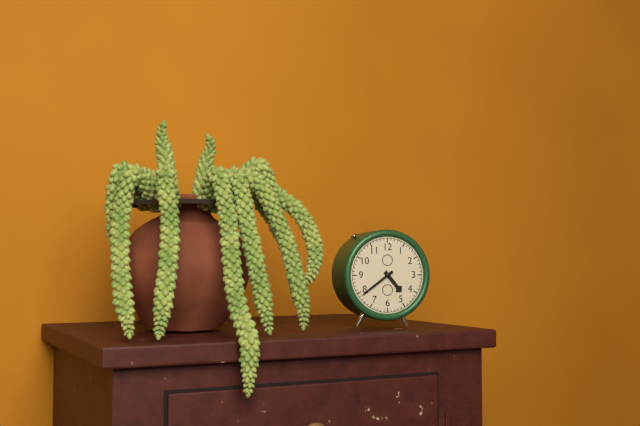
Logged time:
4h39
